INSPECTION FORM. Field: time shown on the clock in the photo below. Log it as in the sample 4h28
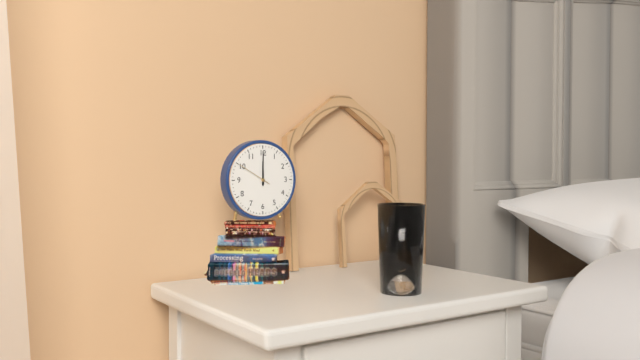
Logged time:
12h00
